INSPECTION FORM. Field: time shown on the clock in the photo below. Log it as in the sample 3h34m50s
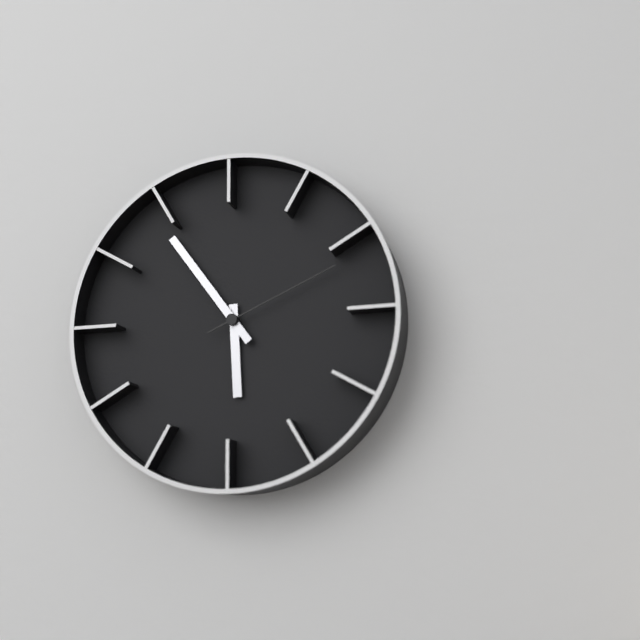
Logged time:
5h54m11s
